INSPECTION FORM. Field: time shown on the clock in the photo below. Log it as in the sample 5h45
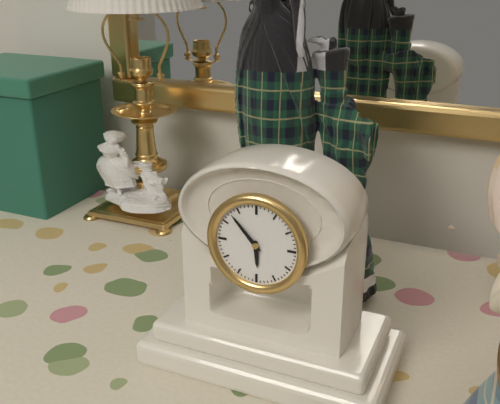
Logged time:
5h53
